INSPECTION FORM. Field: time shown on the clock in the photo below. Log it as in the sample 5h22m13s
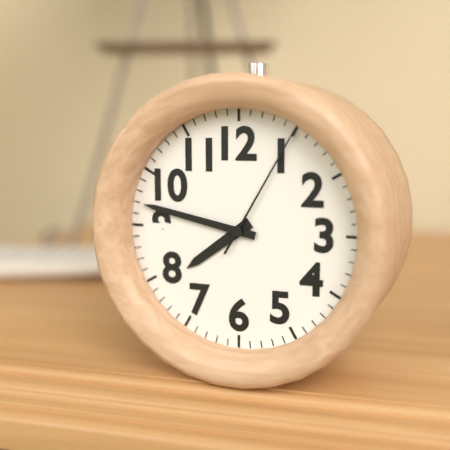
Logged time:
7h47m05s
